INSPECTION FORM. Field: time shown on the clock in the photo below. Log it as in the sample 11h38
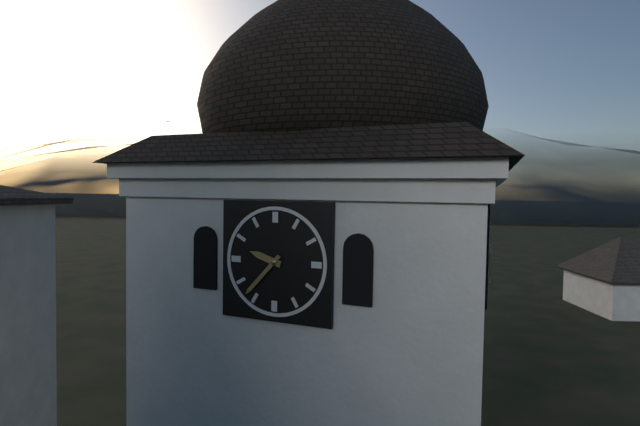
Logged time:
9h37
